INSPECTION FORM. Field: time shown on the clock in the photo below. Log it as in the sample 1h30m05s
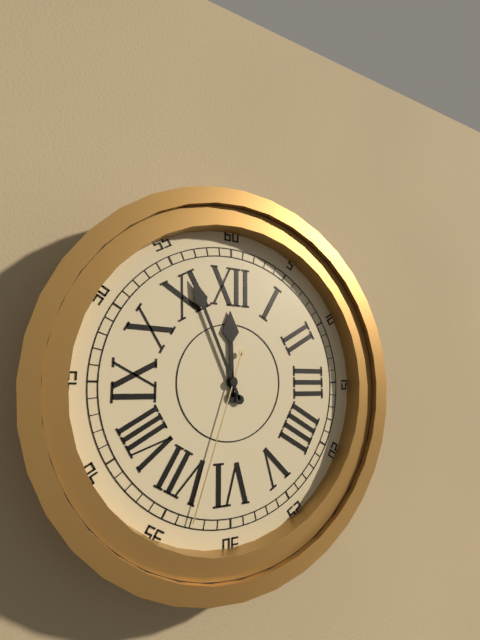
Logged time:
11h56m33s
